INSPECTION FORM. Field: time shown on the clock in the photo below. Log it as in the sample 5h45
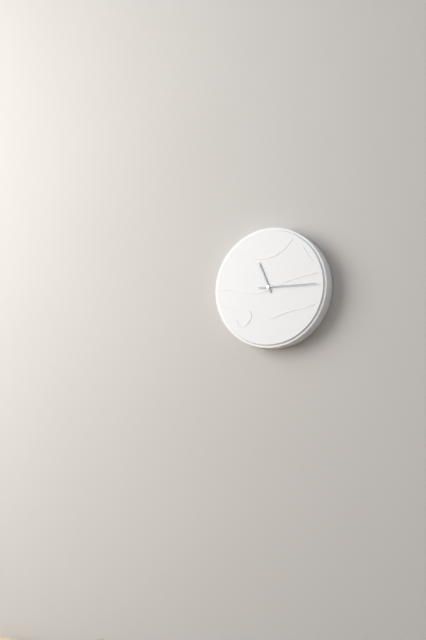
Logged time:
11h15
